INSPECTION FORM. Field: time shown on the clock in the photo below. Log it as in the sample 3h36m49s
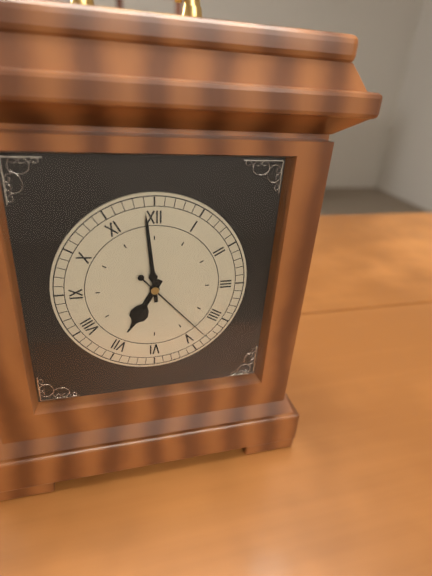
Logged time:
6h59m23s
